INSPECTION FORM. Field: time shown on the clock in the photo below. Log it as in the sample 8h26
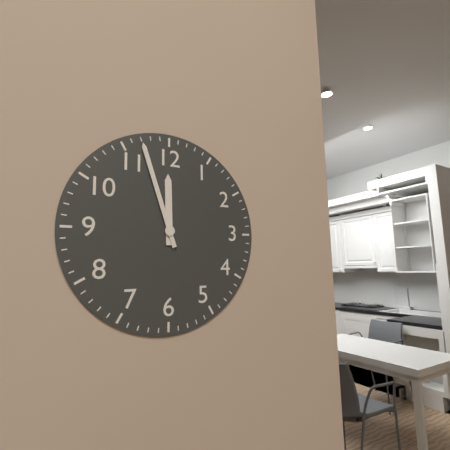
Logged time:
11h57
